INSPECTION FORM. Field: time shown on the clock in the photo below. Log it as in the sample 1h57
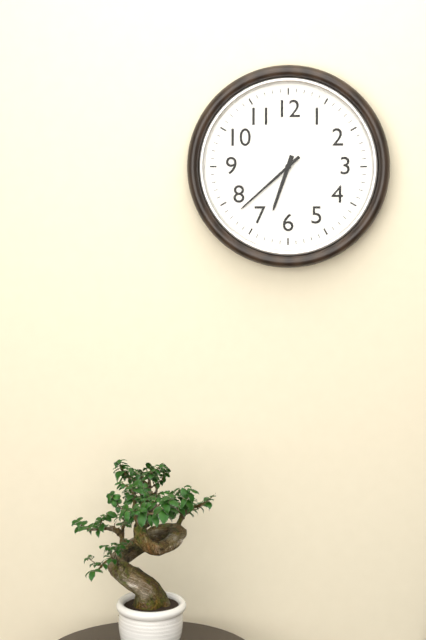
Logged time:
6h38
